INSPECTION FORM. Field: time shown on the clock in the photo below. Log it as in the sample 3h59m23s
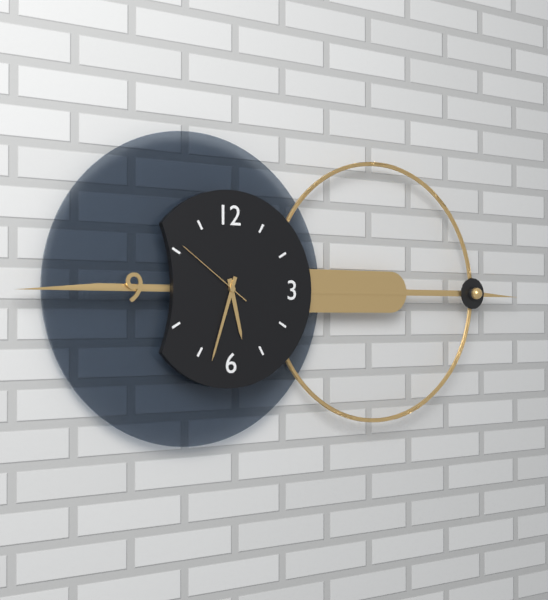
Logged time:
5h33m51s
